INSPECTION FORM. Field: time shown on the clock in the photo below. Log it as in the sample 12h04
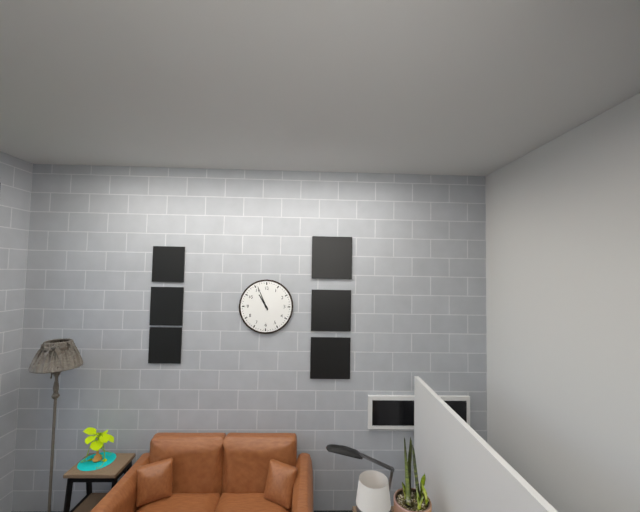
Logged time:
10h56
